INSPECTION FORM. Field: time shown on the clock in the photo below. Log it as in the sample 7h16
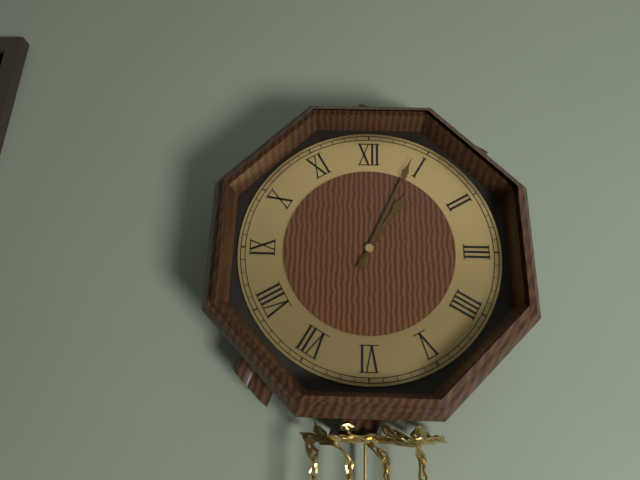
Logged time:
1h04
